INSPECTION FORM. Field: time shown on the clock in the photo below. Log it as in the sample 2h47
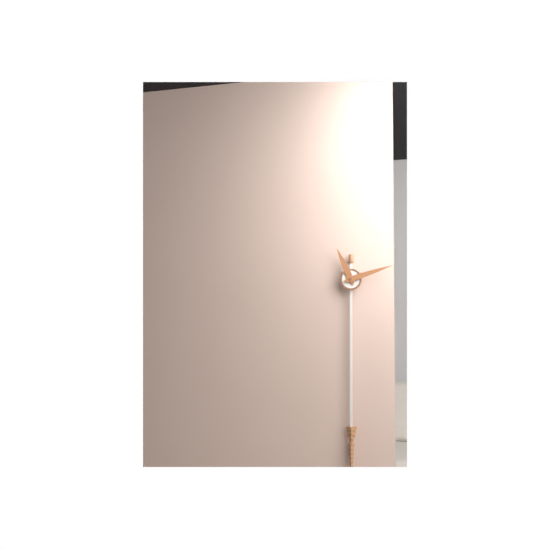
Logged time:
11h12
